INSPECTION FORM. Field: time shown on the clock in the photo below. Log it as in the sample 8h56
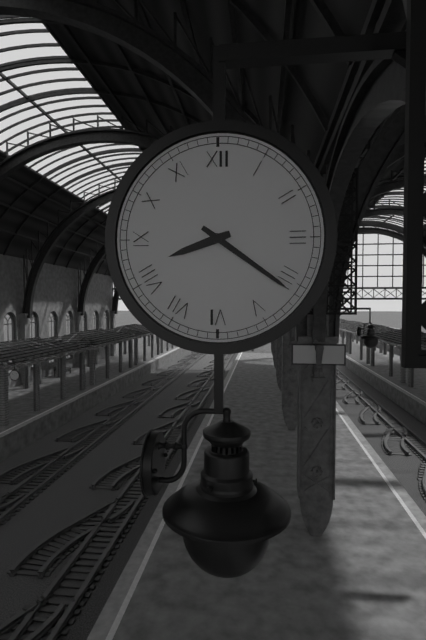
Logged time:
8h21
